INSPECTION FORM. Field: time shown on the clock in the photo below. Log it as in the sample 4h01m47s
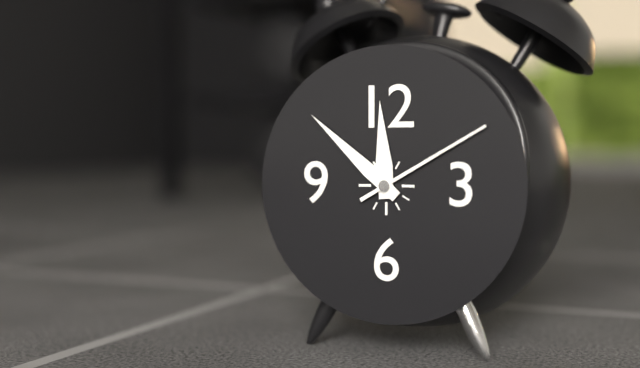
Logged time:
11h52m10s
